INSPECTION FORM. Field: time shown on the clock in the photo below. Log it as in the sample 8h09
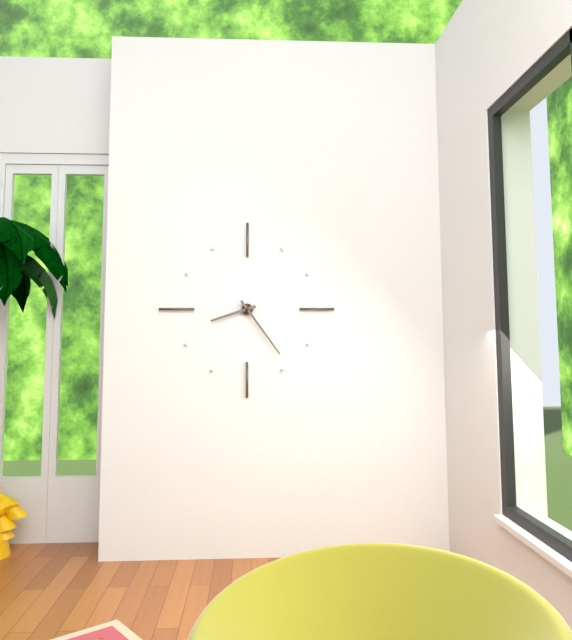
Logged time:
8h24
